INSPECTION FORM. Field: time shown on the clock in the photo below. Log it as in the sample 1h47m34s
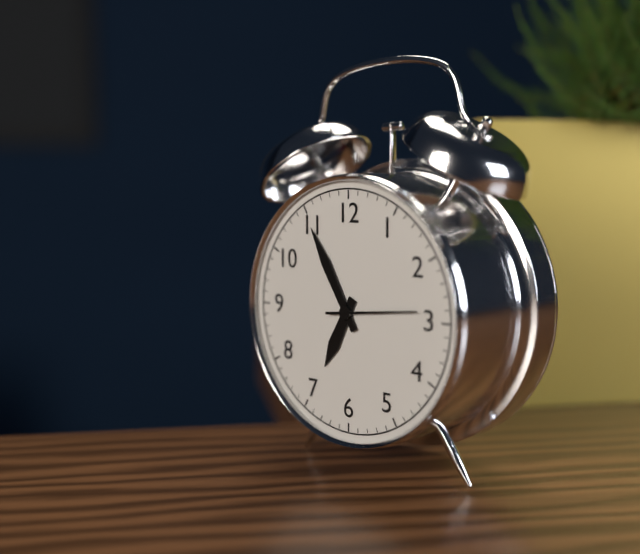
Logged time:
6h55m14s
